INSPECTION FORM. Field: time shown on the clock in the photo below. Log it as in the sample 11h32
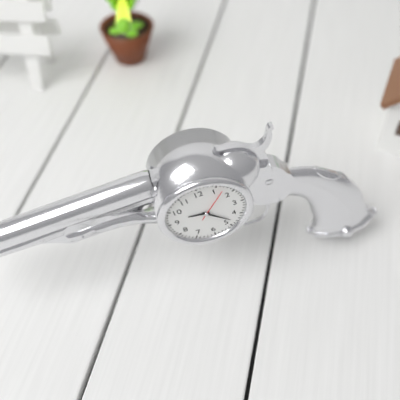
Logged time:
9h23
